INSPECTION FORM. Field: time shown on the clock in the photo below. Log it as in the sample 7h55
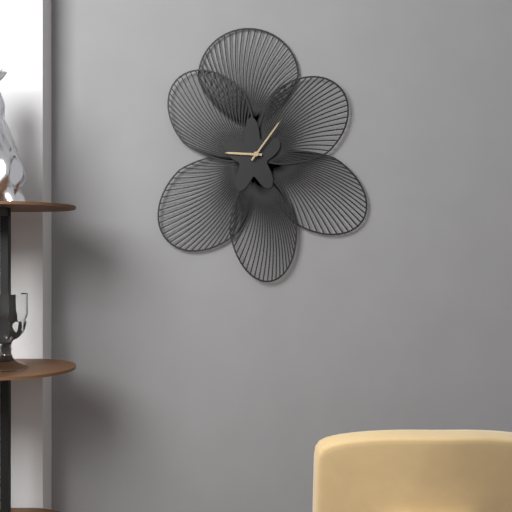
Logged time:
9h06
